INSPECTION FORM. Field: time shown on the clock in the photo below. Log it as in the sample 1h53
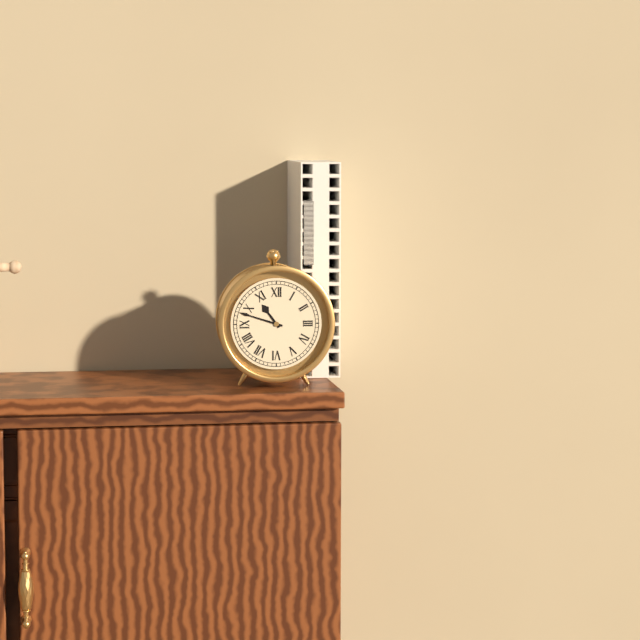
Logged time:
10h48
